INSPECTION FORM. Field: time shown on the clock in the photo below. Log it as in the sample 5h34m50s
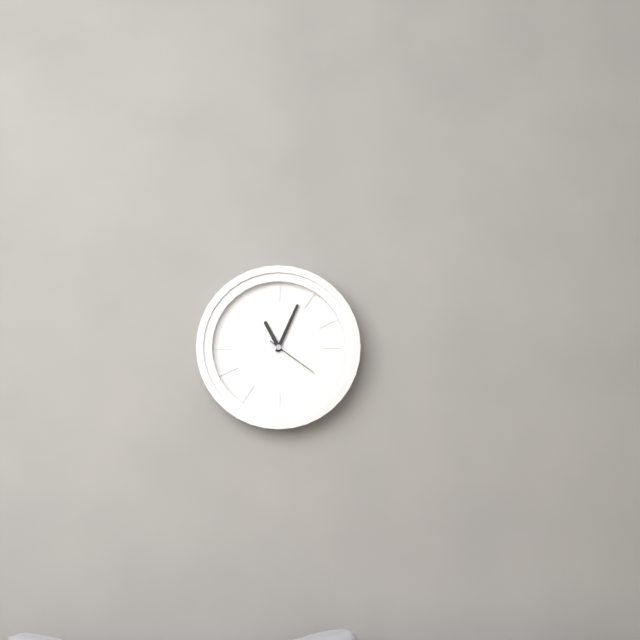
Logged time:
11h04m21s
